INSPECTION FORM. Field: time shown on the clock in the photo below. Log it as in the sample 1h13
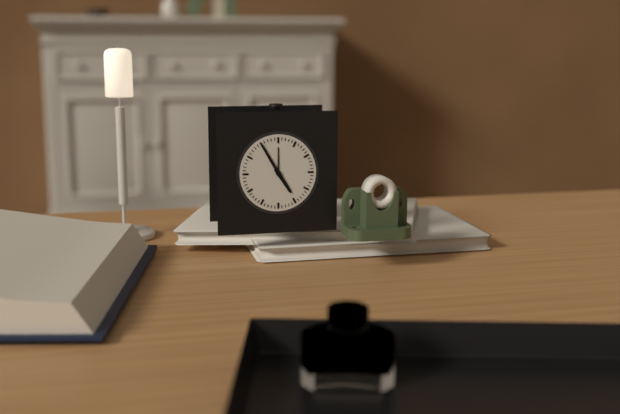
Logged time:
4h55
